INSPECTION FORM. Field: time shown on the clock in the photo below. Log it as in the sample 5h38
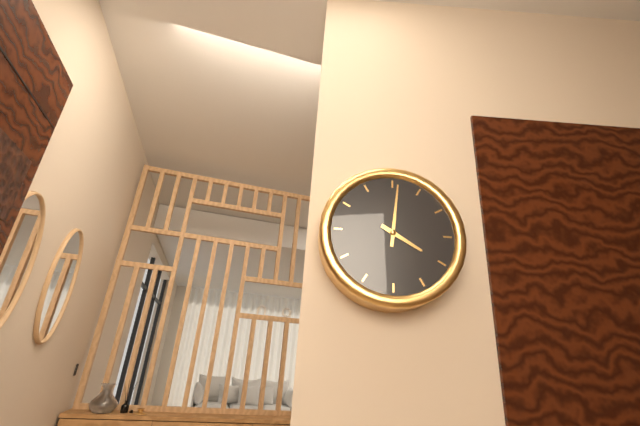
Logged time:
4h01
